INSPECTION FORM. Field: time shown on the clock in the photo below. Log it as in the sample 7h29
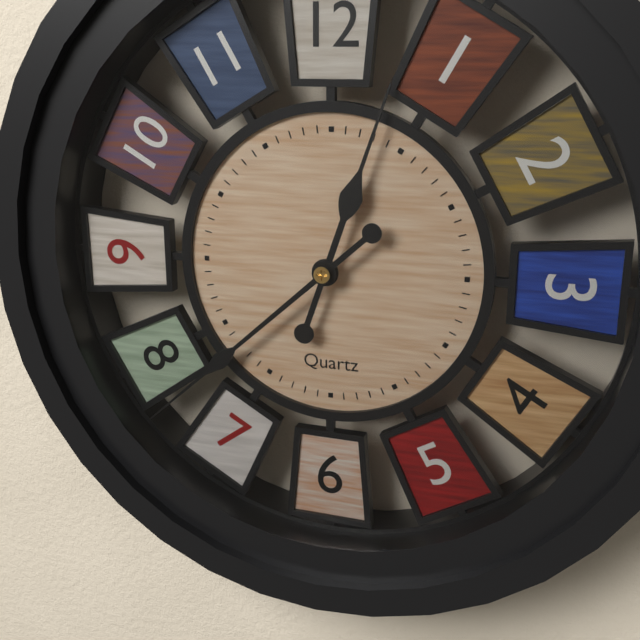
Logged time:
12h38
